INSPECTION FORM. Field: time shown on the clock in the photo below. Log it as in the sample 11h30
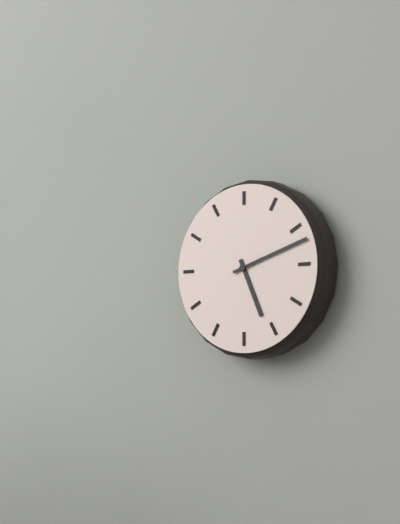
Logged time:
5h12
